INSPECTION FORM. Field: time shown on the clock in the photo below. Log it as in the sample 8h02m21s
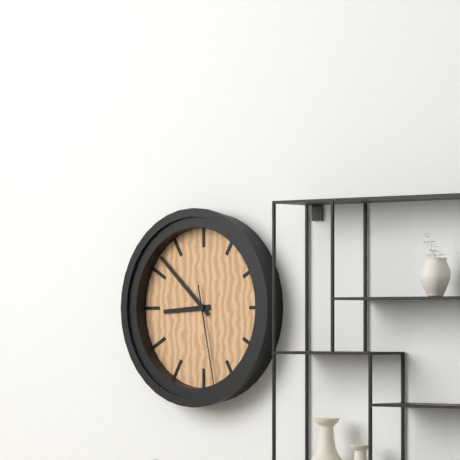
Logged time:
8h52m28s
